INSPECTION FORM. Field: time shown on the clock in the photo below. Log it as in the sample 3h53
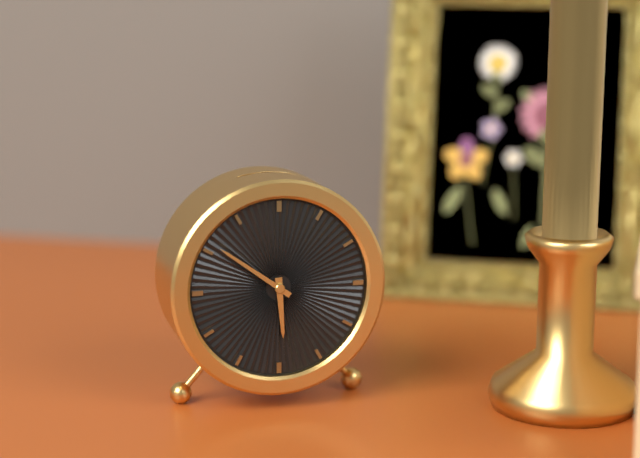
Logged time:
5h51
